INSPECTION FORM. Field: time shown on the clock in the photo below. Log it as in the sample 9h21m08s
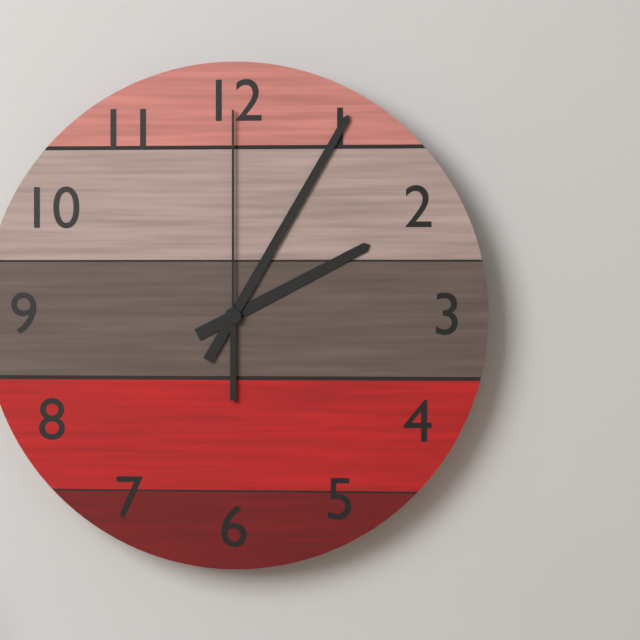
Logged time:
2h05m00s
